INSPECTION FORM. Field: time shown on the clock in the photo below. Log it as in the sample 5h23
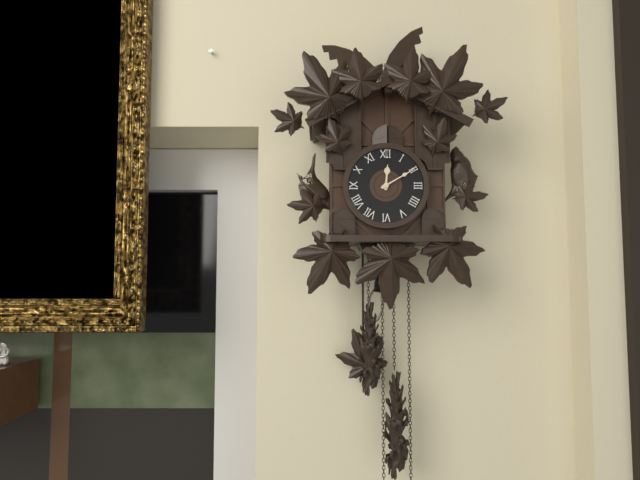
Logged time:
12h10
